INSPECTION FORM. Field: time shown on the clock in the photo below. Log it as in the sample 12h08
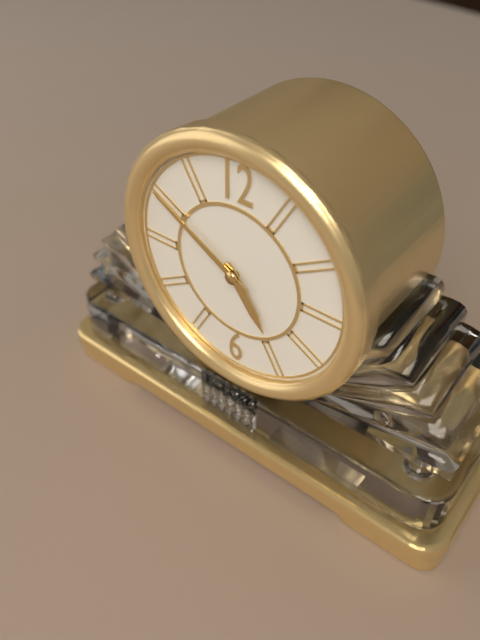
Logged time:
4h50
